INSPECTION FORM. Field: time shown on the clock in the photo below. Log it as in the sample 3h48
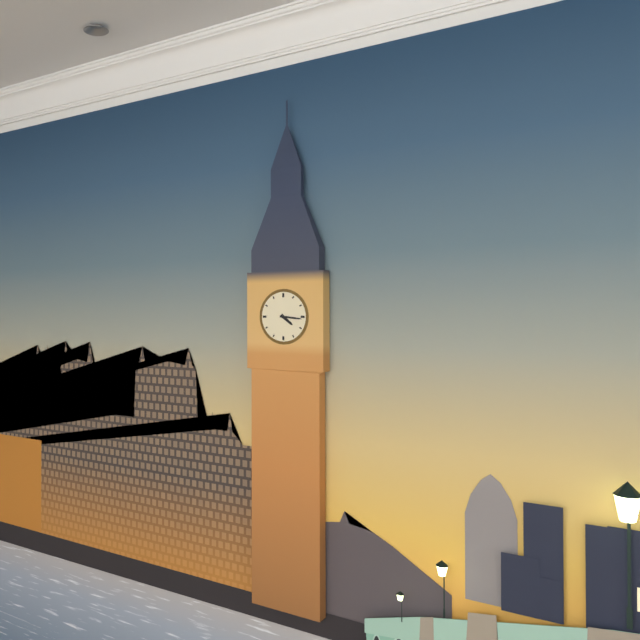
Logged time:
4h16
